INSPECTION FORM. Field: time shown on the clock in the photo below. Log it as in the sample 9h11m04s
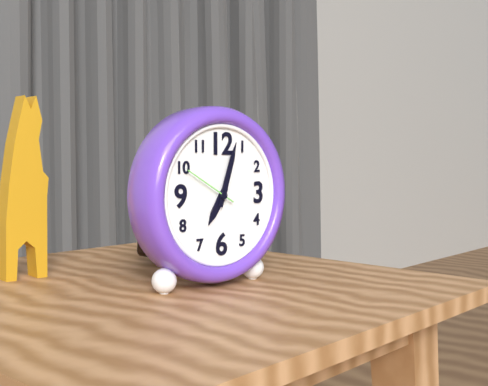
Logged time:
7h03m50s
